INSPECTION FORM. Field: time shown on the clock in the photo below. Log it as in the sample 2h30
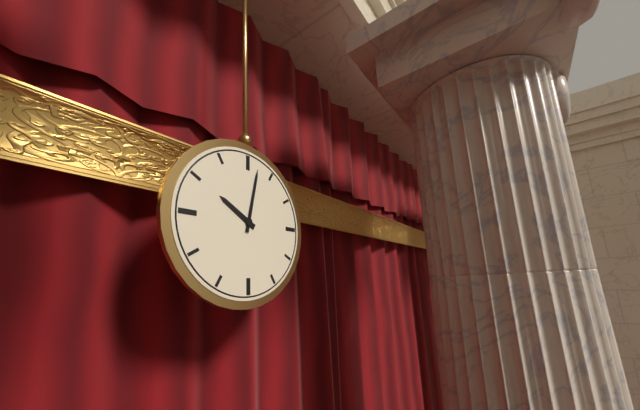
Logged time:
10h02
